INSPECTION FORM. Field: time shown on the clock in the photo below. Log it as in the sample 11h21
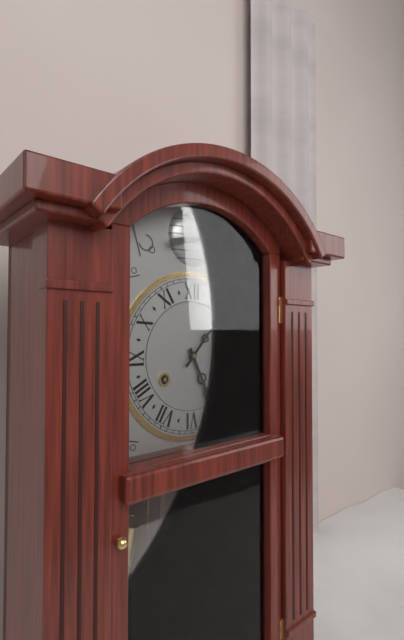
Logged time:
5h07
